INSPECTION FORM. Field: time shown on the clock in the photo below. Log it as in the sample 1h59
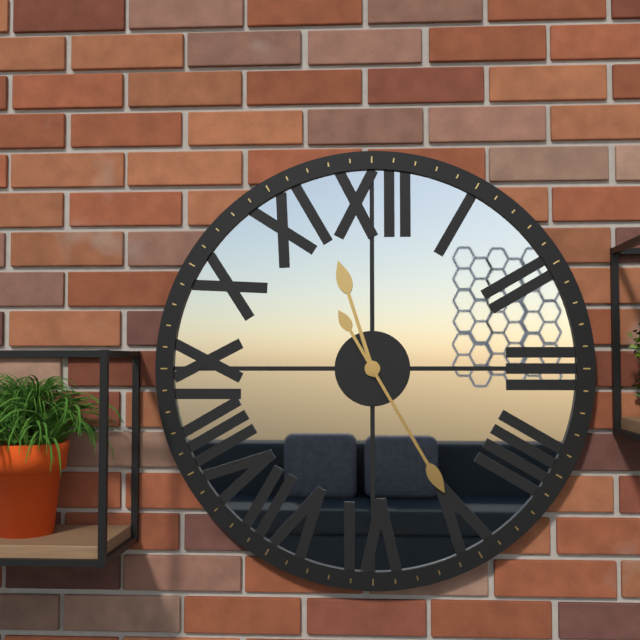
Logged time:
11h25
